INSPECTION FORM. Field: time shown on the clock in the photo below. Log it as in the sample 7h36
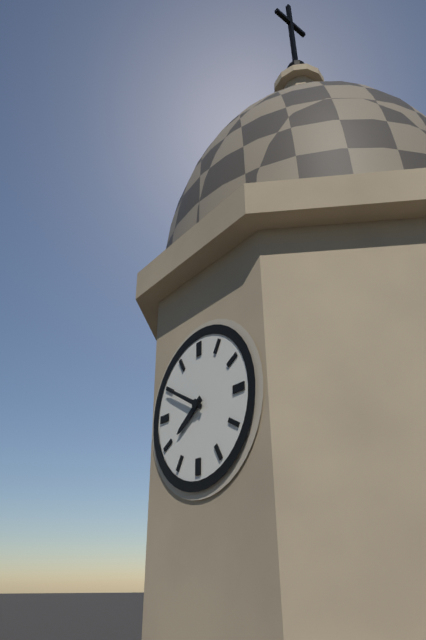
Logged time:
7h50
